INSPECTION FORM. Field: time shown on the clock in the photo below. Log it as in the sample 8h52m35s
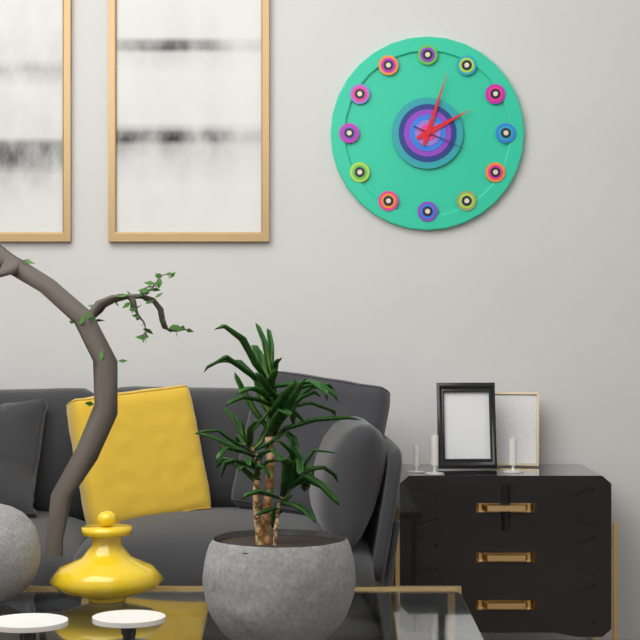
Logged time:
2h03m19s
